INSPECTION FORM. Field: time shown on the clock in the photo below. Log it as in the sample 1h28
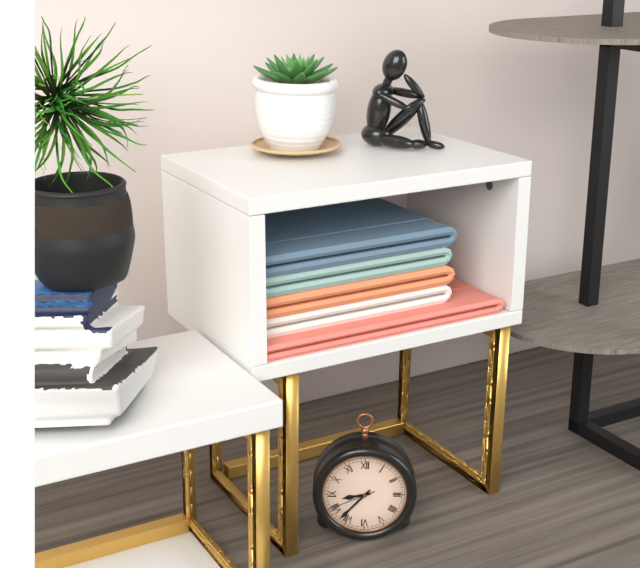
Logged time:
8h37
